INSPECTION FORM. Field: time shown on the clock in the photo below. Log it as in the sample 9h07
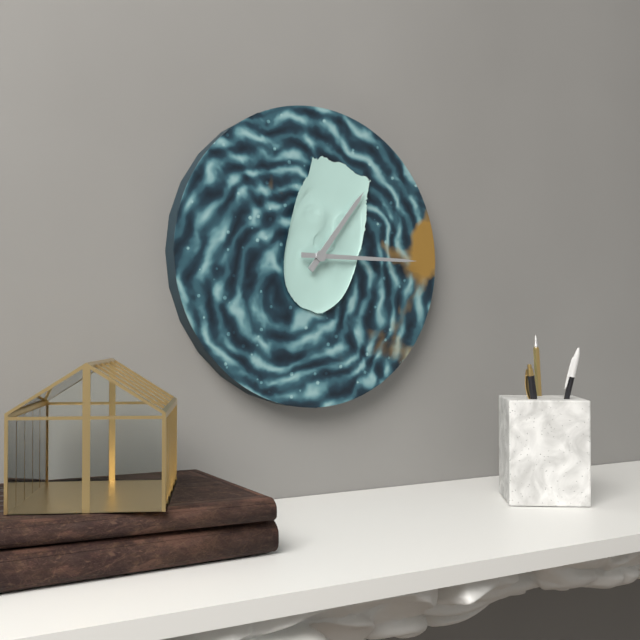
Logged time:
1h15
